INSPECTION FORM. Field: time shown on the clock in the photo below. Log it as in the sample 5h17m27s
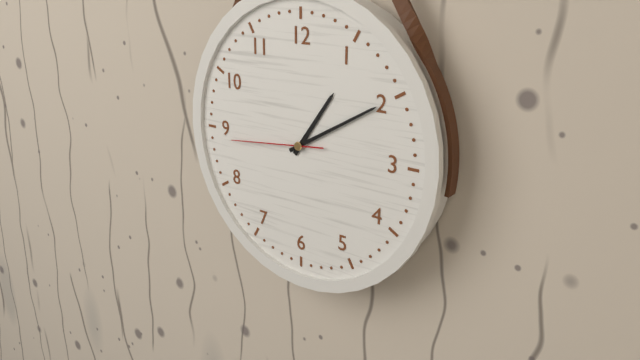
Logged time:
1h10m44s
